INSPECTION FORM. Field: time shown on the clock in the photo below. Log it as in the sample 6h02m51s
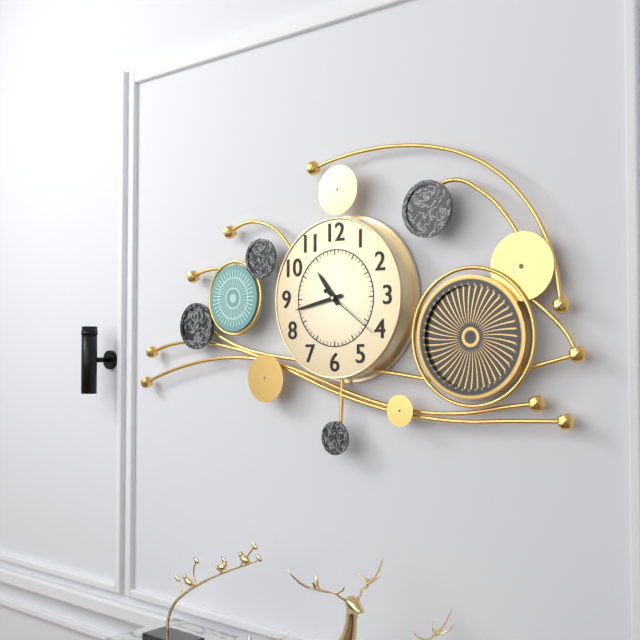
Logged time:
10h43m21s
